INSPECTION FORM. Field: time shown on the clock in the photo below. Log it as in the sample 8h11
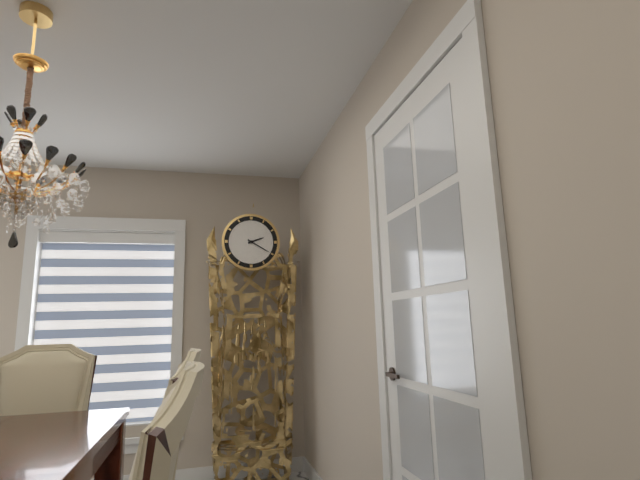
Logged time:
2h20
